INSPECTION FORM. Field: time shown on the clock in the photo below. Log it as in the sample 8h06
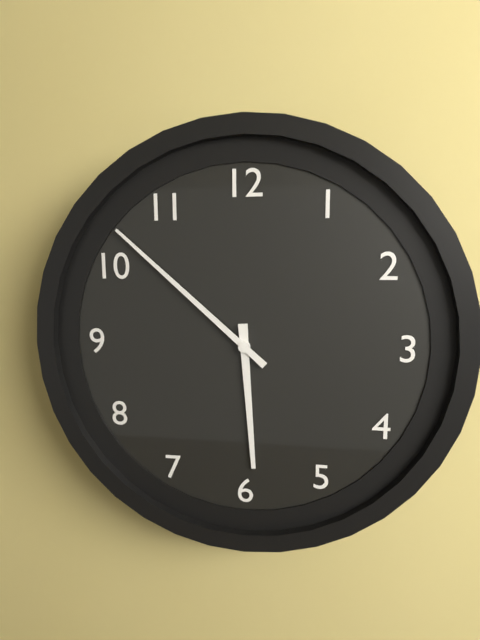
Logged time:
5h52
